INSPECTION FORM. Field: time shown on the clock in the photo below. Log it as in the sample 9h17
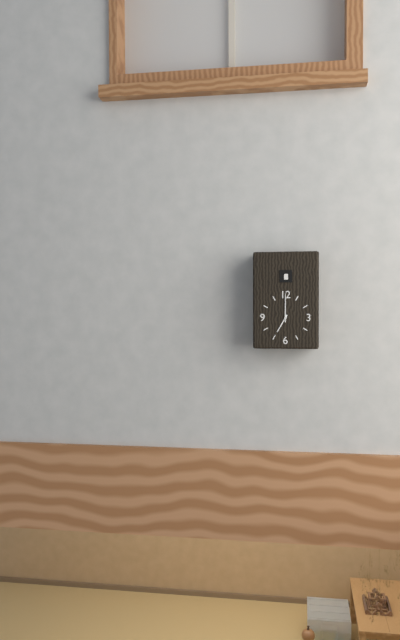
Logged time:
7h00
